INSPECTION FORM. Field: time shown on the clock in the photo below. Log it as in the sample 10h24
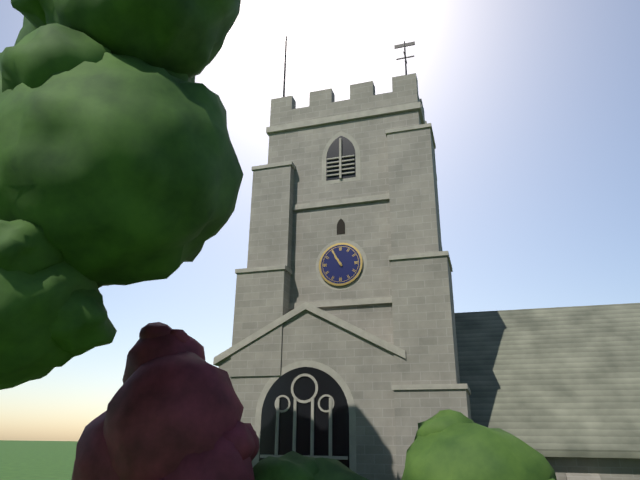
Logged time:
10h55
